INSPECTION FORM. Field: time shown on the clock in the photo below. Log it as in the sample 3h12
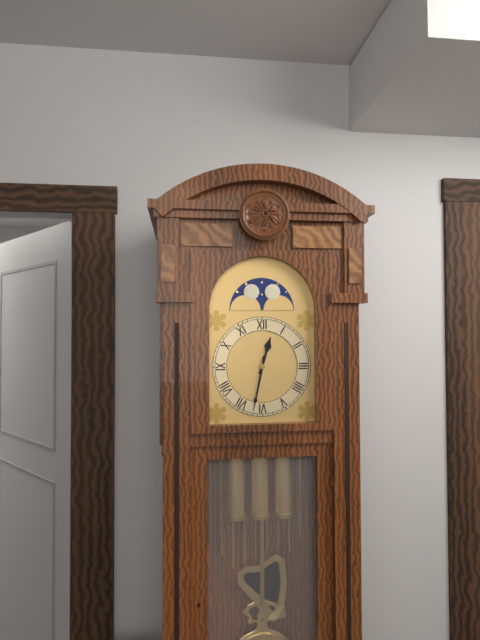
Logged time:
12h32
